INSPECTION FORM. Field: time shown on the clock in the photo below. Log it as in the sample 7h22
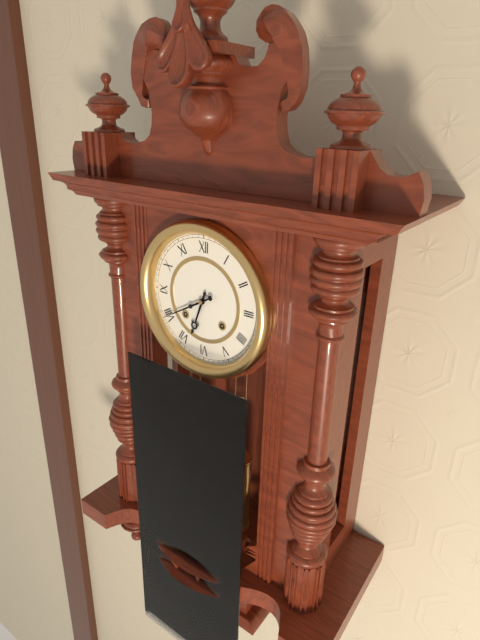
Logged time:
6h40
